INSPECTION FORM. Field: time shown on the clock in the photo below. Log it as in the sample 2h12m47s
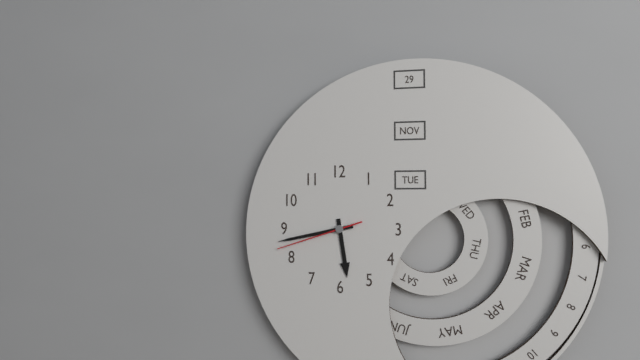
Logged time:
5h43m42s
